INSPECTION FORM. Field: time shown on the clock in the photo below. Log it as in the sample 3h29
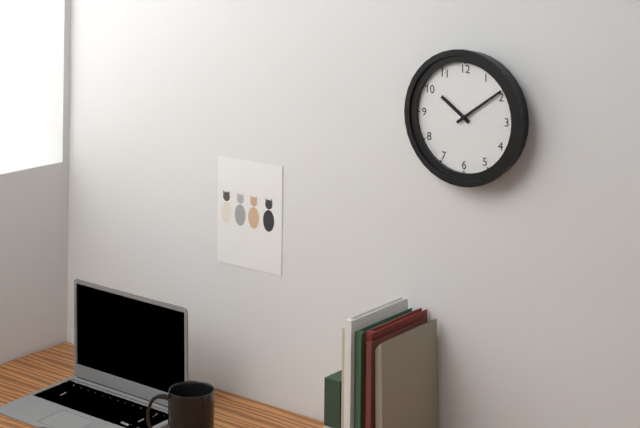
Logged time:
10h09
